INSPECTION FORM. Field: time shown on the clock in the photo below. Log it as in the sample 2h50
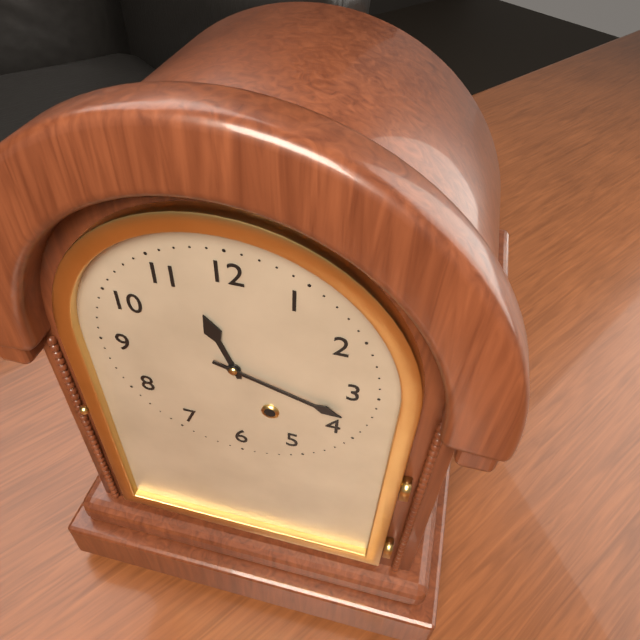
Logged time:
11h18
